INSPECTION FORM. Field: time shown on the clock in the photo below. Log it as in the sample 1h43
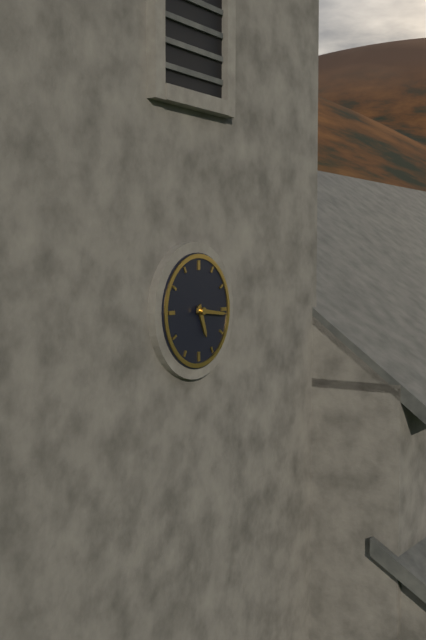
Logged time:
5h16
